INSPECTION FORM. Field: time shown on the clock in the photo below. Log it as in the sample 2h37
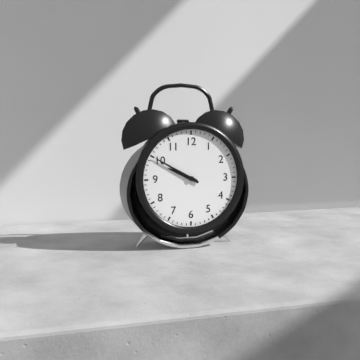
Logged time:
9h50
